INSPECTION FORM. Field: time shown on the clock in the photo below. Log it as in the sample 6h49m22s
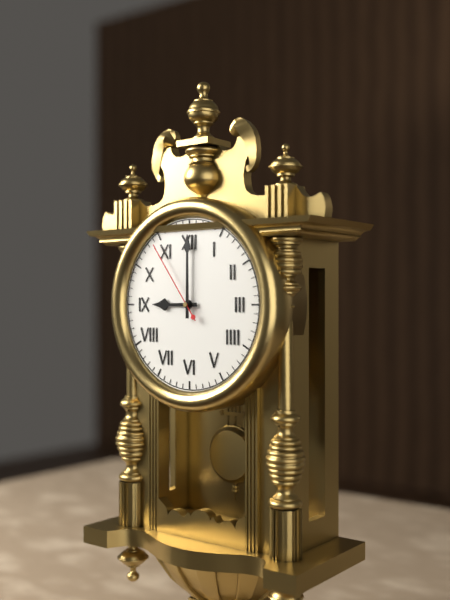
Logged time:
9h00m54s
